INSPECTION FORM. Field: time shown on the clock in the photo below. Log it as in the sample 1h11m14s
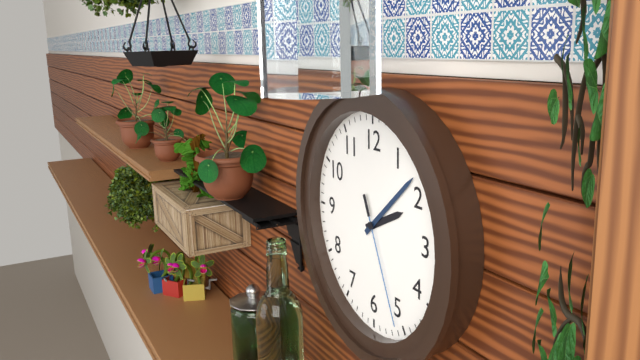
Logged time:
2h08m26s
